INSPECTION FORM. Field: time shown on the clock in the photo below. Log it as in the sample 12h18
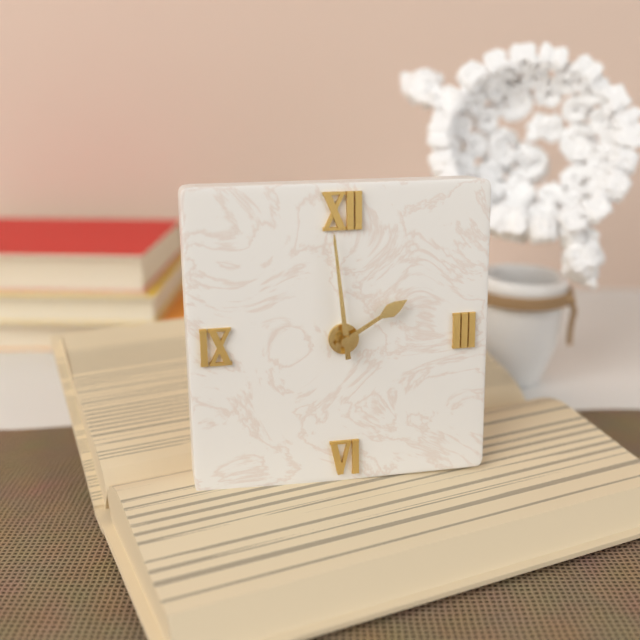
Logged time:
1h59
